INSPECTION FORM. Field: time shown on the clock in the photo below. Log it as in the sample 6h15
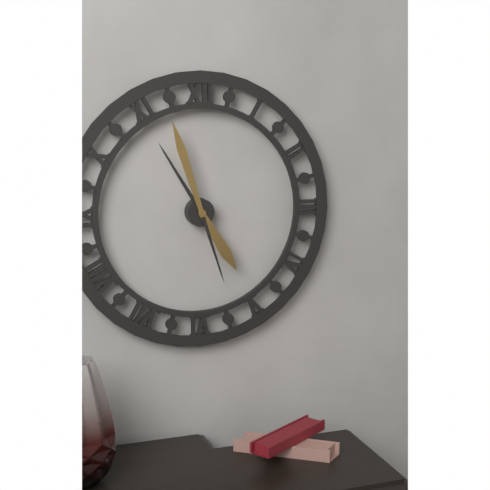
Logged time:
4h57
